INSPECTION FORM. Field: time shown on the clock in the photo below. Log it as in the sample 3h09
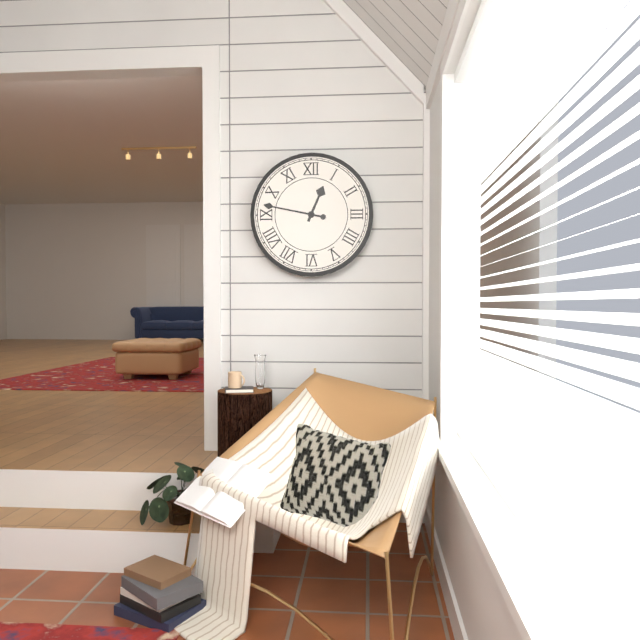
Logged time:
12h47
